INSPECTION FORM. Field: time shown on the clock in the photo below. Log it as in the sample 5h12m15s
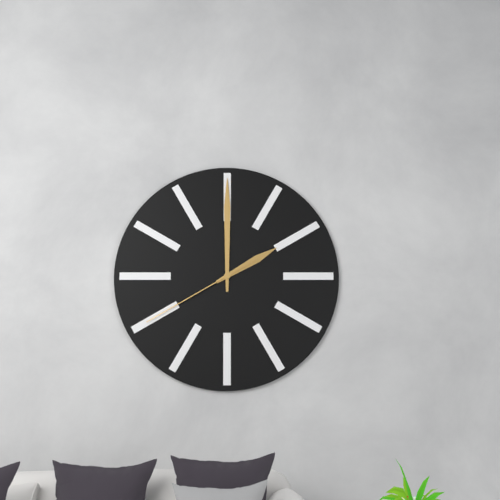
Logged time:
2h00m40s
